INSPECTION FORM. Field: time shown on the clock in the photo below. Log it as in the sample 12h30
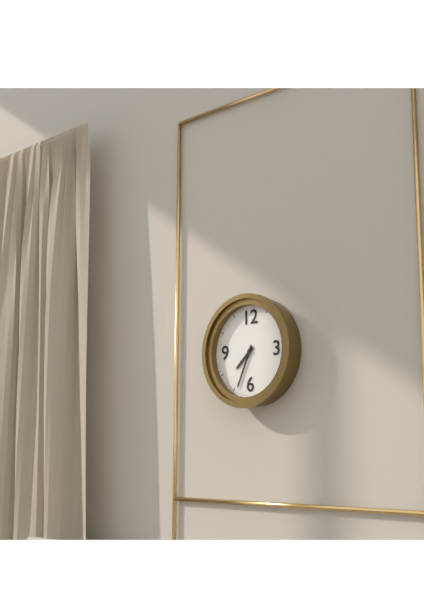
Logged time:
7h34
